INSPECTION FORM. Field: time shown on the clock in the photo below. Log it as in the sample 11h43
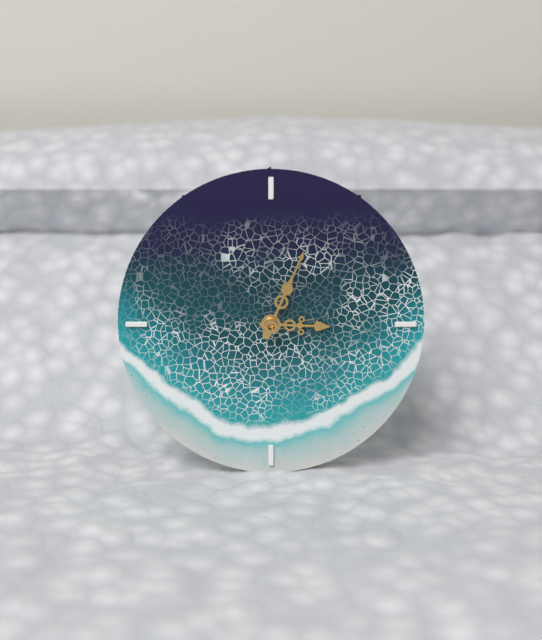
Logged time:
3h04
